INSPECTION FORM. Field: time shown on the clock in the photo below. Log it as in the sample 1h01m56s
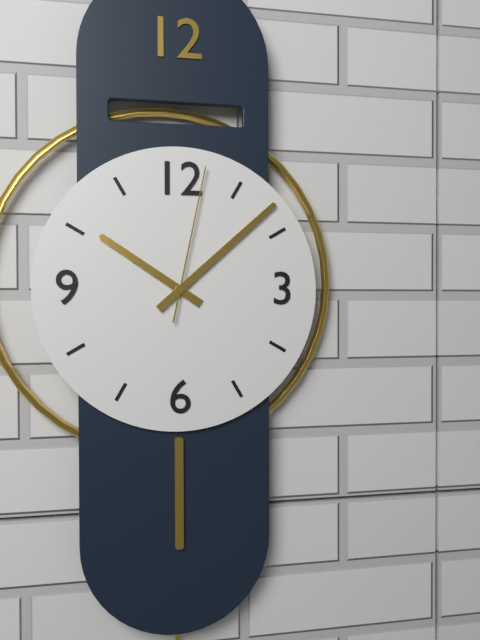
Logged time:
10h08m02s
